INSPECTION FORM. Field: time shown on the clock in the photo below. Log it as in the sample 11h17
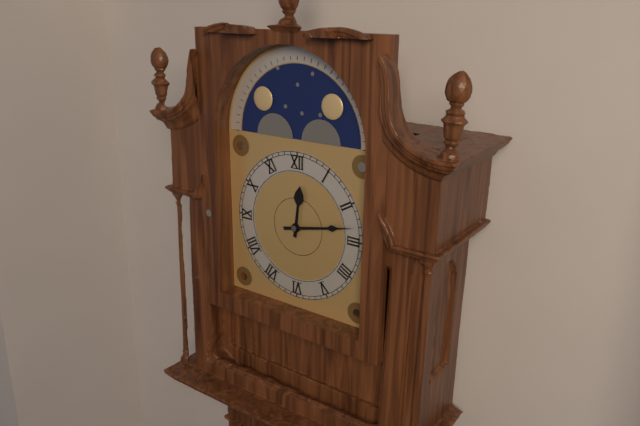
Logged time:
12h13
